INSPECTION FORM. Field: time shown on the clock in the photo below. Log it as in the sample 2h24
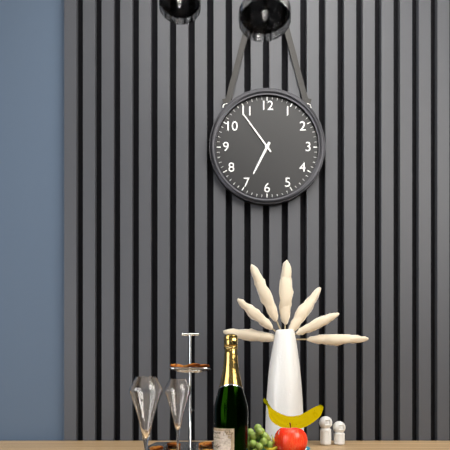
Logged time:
6h54
